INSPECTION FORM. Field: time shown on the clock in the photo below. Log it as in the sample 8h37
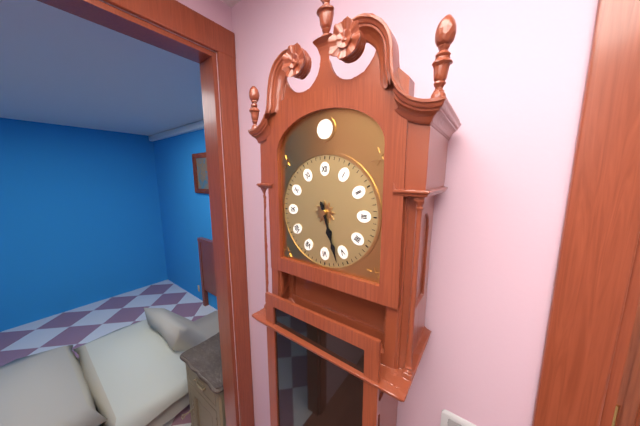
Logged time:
5h27
